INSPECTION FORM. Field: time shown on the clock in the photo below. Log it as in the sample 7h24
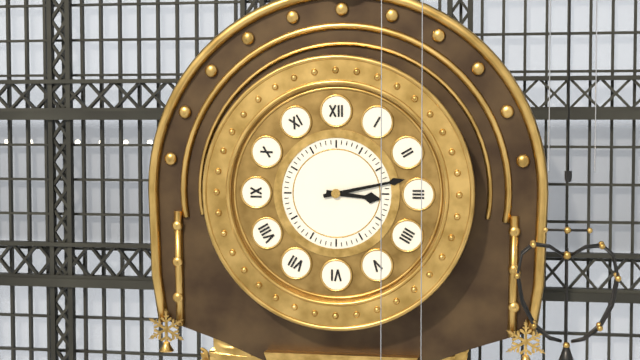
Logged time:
3h13
